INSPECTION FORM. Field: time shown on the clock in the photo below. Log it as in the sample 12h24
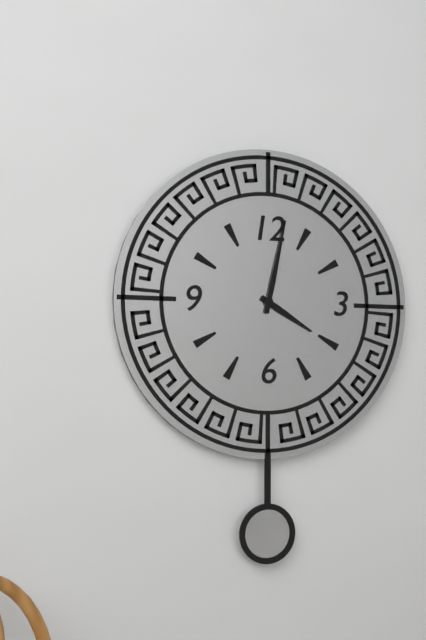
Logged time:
4h02
